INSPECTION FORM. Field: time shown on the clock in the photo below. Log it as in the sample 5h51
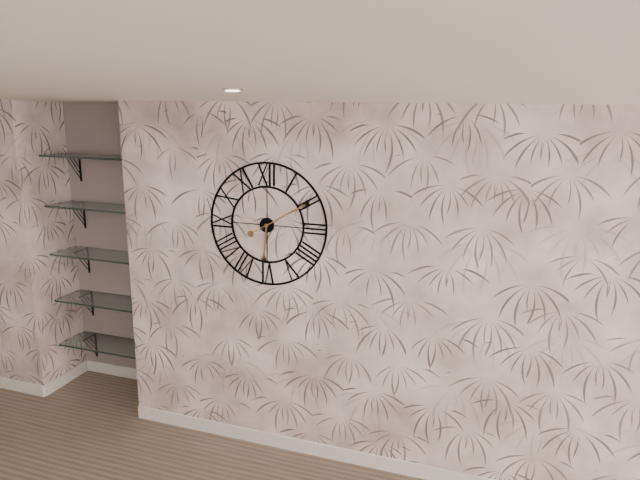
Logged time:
6h10
